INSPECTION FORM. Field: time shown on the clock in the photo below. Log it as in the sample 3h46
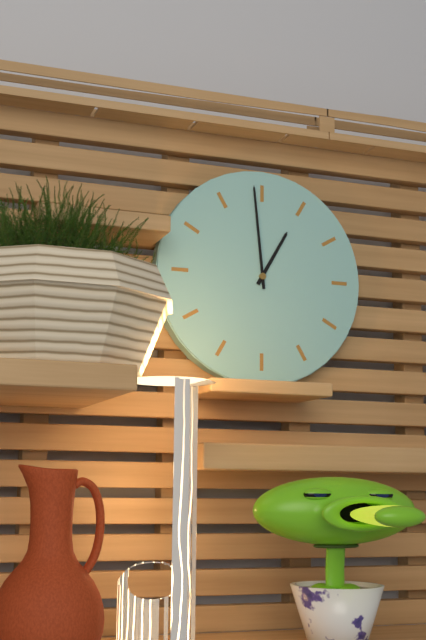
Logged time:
12h59
